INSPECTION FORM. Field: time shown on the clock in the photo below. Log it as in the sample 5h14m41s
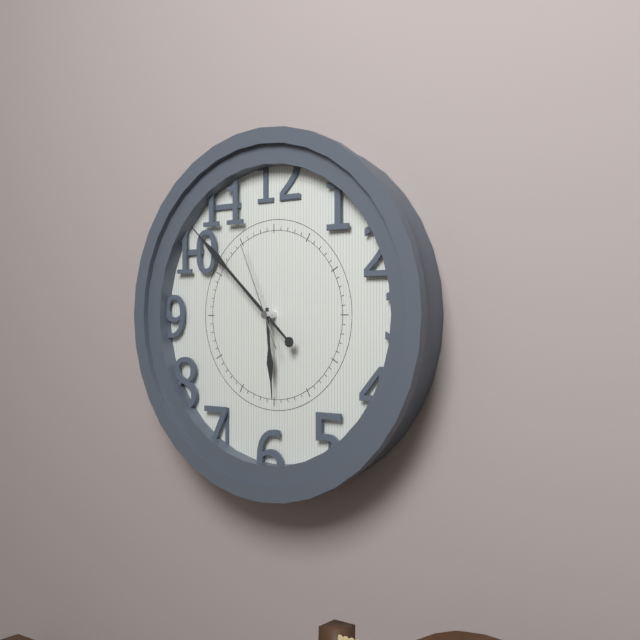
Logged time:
5h52m56s
